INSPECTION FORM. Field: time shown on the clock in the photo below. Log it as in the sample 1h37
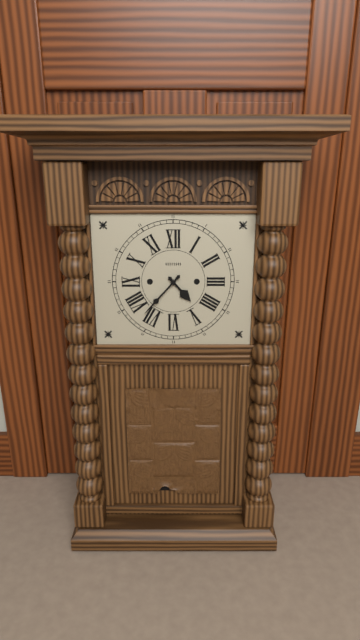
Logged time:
4h37
